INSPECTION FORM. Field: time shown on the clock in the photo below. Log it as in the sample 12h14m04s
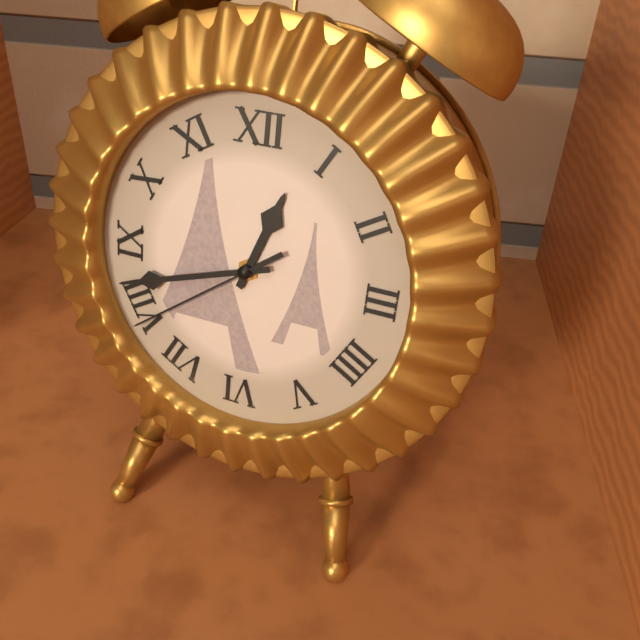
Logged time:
12h42m39s
